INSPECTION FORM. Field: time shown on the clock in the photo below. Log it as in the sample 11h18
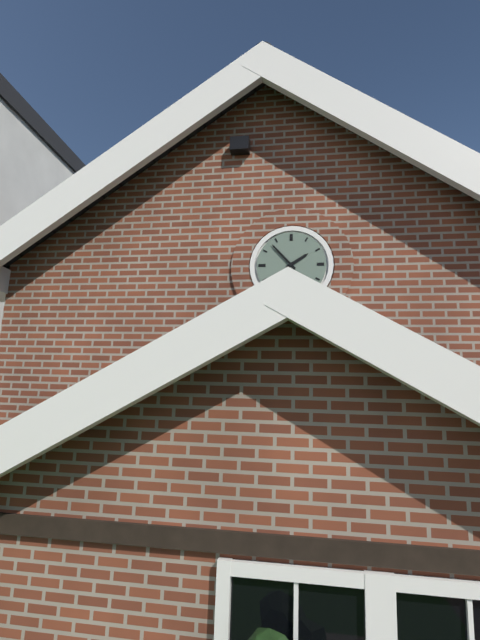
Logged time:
1h53
